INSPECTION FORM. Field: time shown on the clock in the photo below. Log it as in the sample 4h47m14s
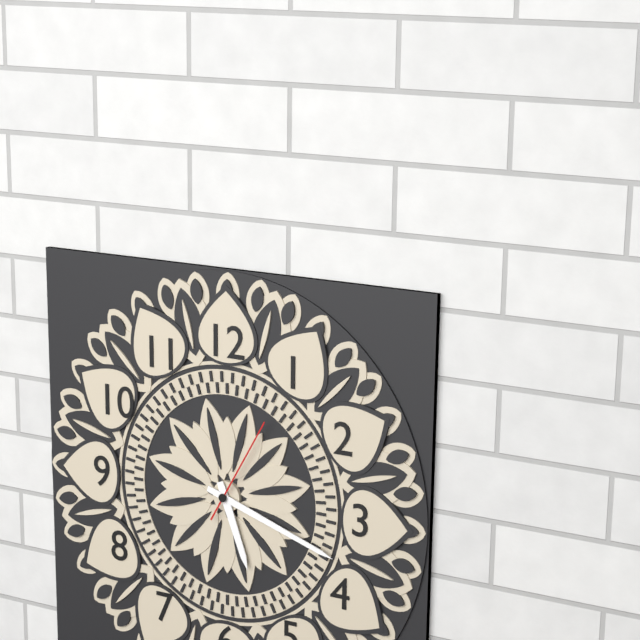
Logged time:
5h18m05s
